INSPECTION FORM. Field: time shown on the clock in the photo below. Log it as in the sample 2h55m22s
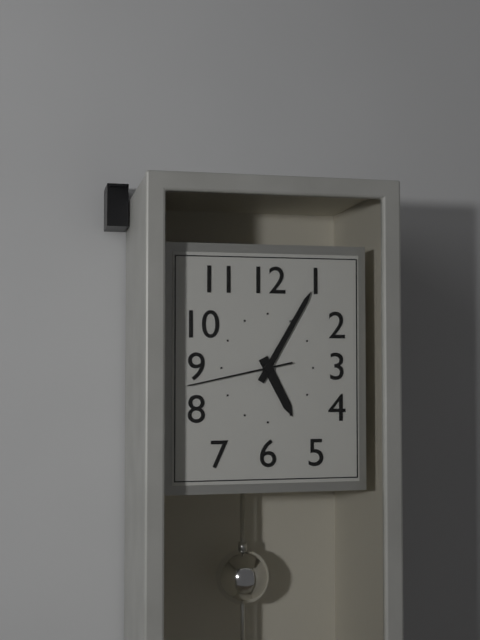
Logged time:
5h05m43s
